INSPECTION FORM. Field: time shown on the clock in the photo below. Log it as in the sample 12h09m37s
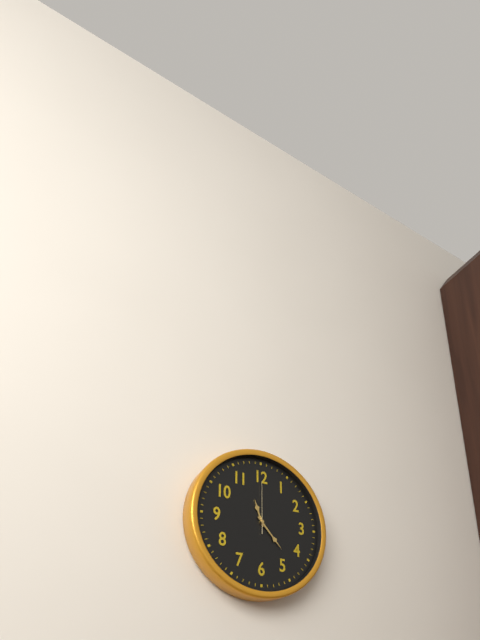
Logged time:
11h23m00s
